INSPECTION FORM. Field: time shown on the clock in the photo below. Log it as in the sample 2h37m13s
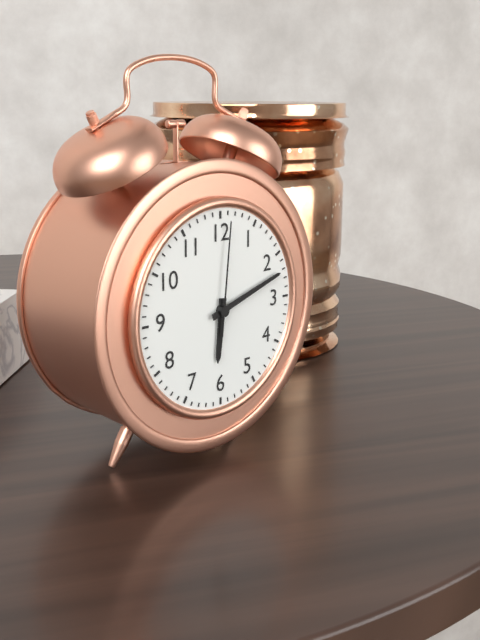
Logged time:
6h12m01s
